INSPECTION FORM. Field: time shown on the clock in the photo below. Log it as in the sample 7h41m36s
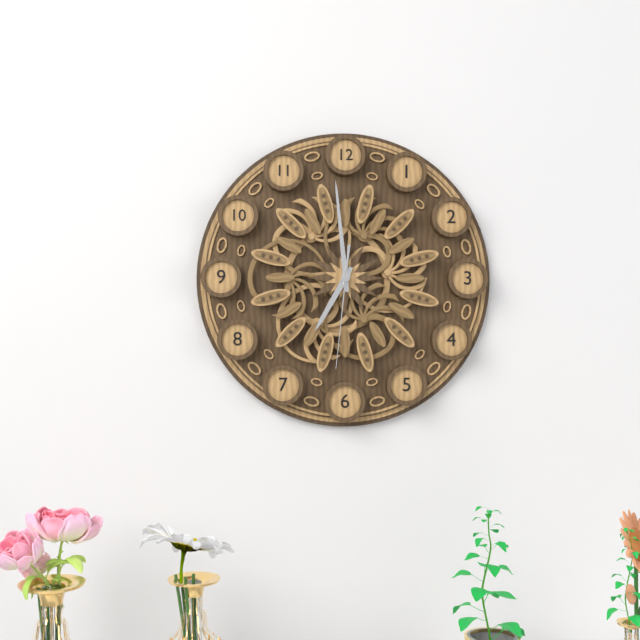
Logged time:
6h59m31s
